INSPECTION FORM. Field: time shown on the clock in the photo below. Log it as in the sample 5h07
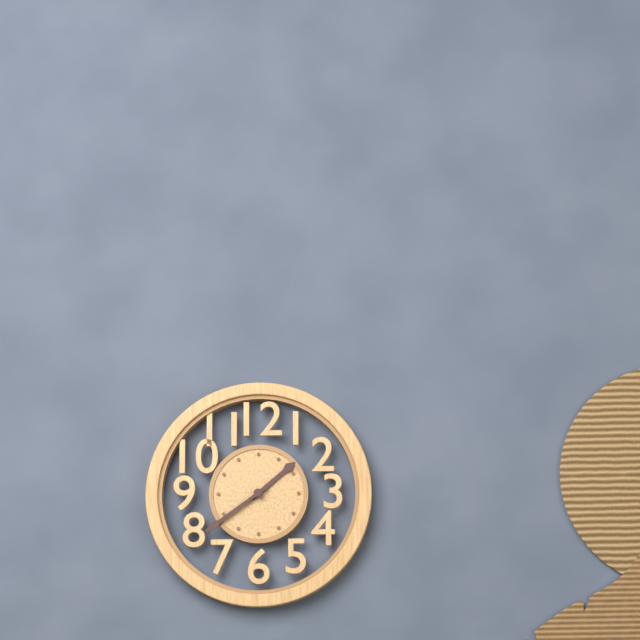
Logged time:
1h39
